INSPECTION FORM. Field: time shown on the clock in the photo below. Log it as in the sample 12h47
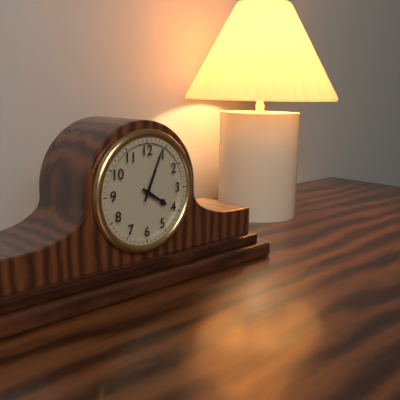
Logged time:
4h04
